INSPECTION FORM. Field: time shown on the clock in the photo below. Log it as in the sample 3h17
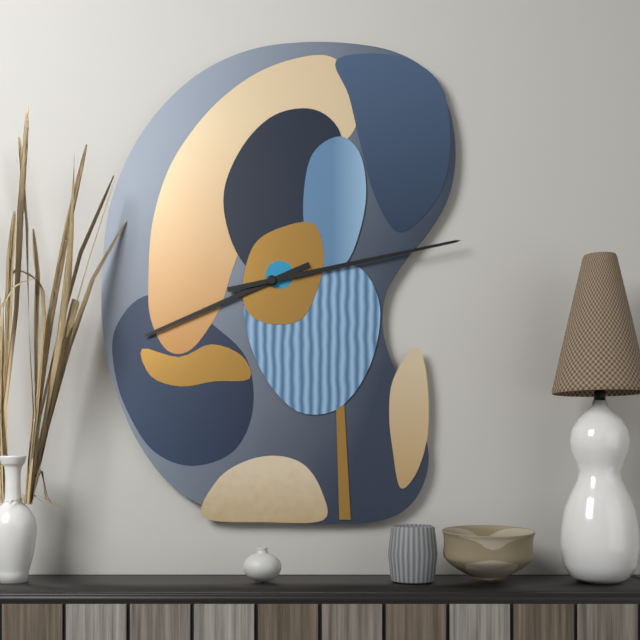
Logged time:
8h13
